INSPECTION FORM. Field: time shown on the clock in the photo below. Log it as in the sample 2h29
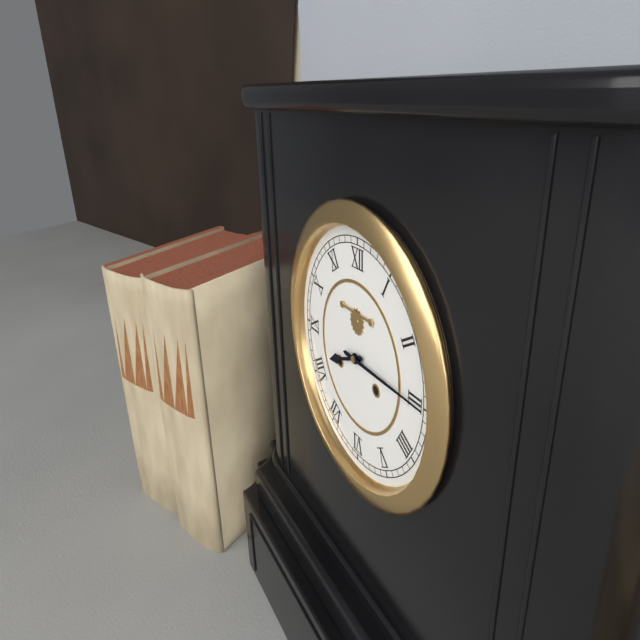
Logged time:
8h15
